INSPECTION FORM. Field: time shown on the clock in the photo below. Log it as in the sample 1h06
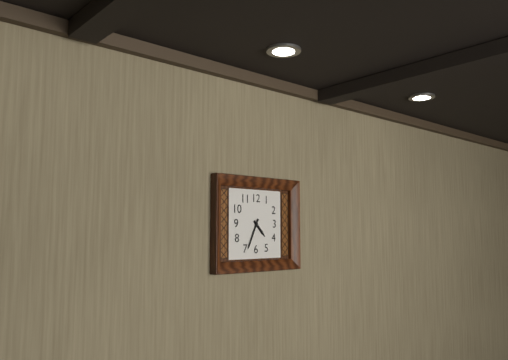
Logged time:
4h34
